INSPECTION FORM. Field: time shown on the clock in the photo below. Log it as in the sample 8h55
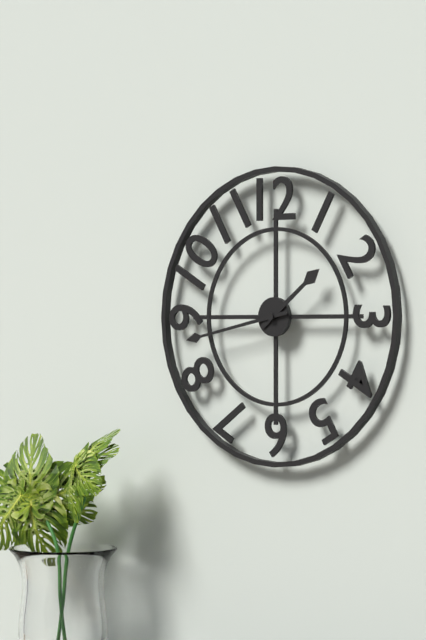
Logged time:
1h43
